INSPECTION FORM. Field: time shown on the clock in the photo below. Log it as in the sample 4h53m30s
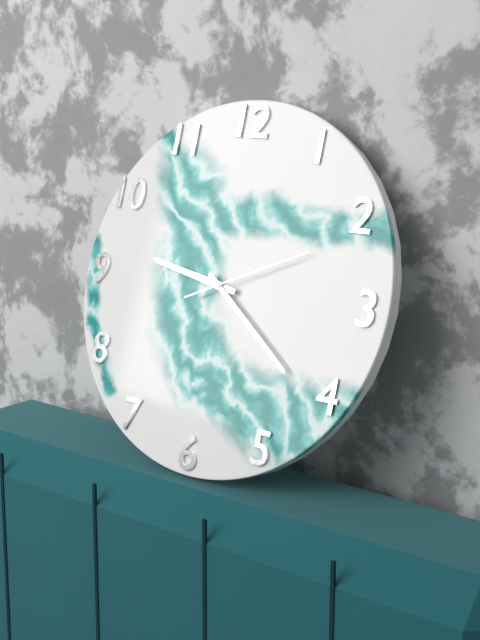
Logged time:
9h21m11s
